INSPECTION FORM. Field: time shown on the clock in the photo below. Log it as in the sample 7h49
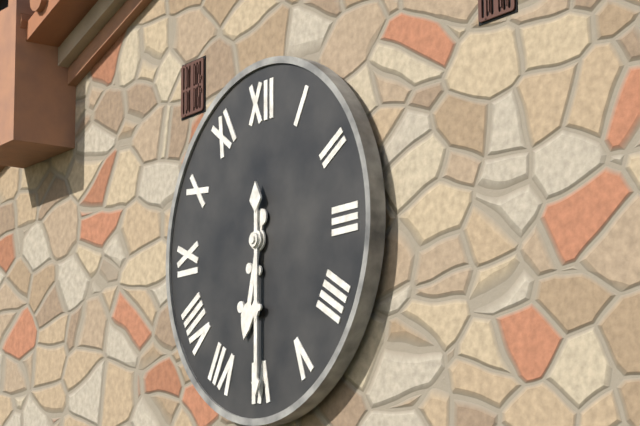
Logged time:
6h30
